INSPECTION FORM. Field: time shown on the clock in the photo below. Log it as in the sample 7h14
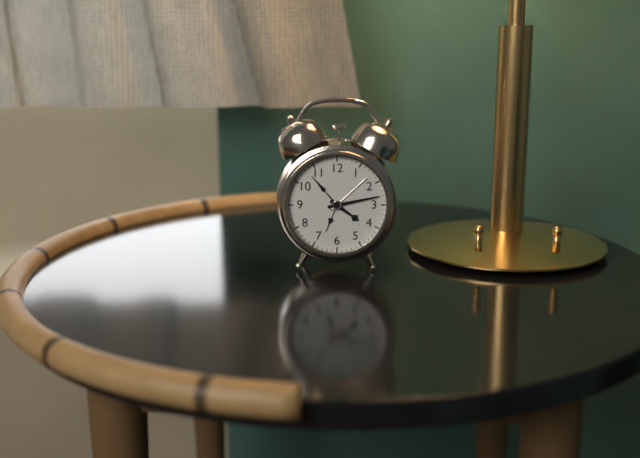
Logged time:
4h13
